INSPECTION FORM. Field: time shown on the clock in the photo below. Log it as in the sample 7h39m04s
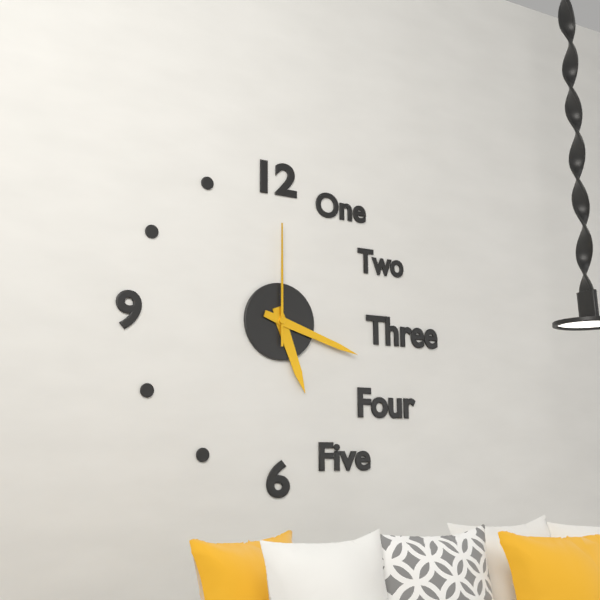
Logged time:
5h18m00s
